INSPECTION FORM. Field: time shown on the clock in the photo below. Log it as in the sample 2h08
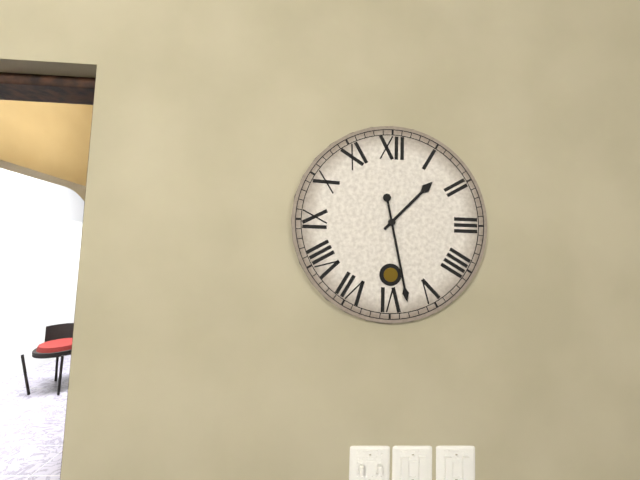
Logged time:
1h28
